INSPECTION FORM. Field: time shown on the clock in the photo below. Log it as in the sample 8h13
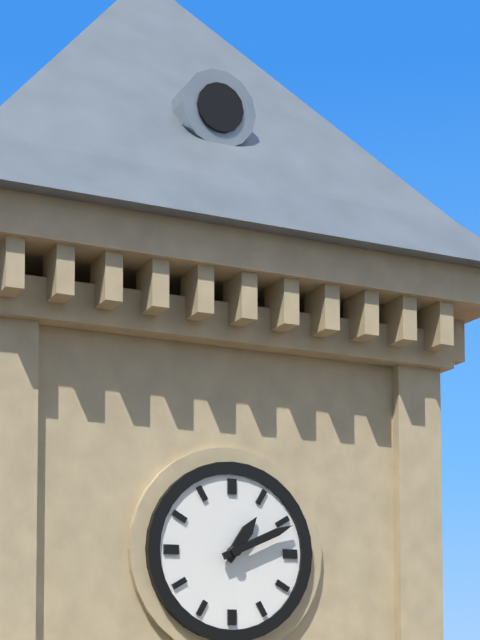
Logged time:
1h11
